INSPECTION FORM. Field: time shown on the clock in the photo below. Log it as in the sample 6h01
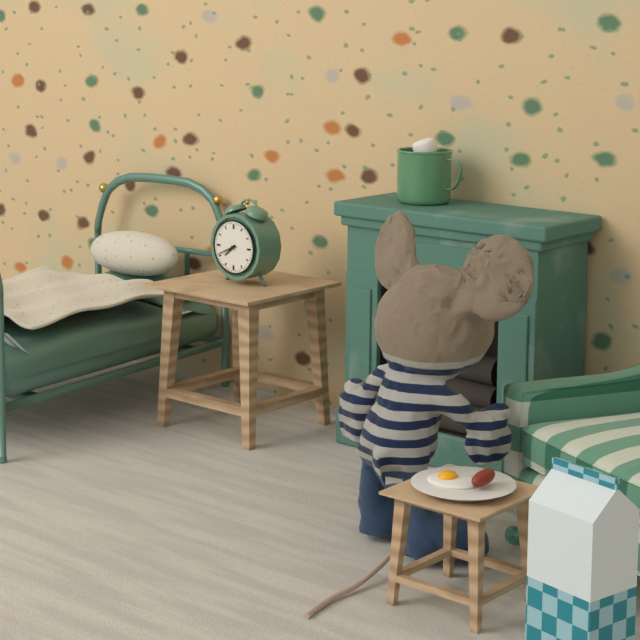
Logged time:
7h41
